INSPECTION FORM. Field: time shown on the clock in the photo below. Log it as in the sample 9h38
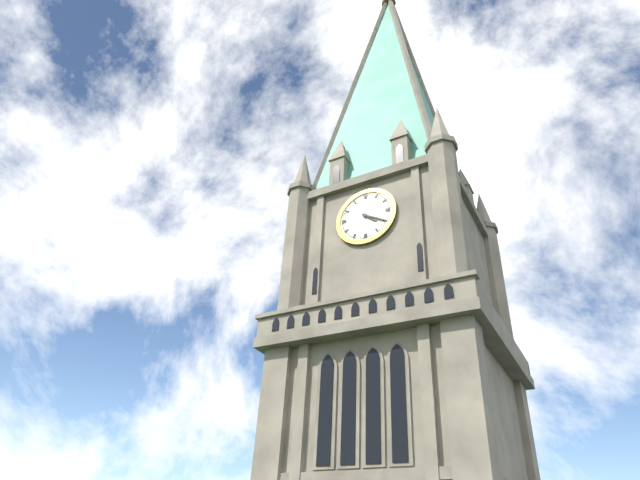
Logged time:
4h20
